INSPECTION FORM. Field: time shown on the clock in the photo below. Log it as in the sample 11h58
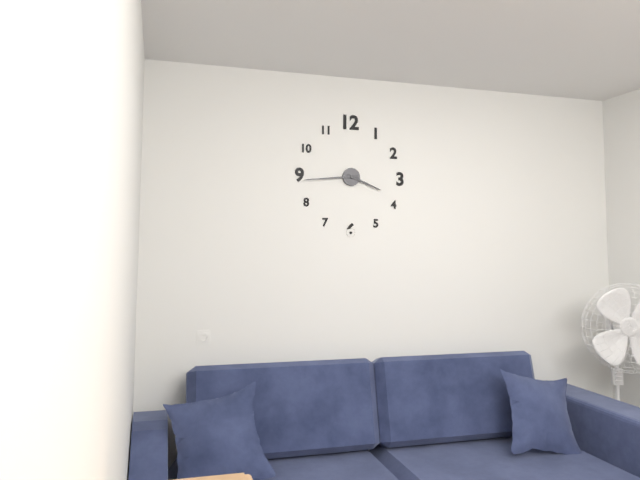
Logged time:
3h44
